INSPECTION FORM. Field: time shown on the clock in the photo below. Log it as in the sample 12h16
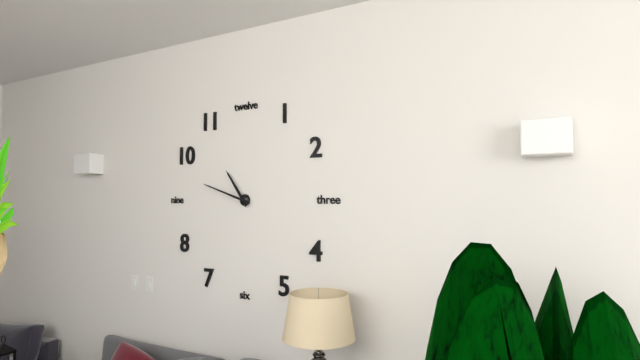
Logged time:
10h48
